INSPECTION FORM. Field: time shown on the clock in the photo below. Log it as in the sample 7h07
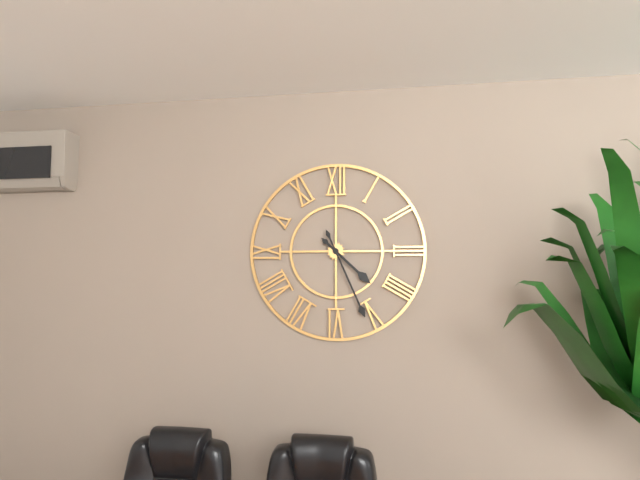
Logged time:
4h26
